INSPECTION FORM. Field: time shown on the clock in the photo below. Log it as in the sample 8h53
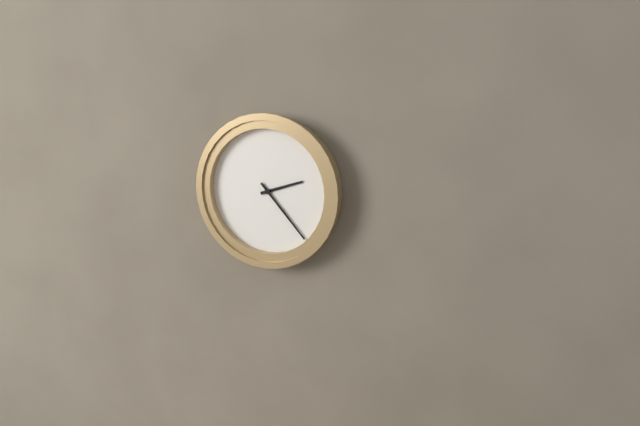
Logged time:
2h23
